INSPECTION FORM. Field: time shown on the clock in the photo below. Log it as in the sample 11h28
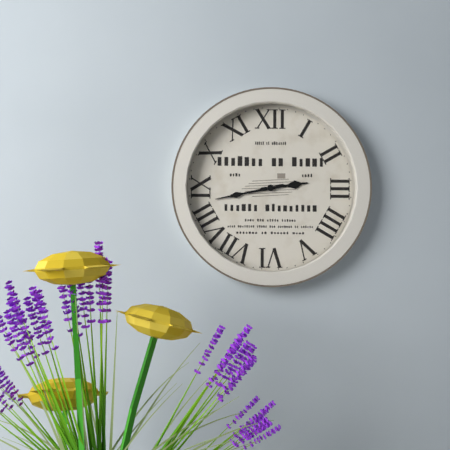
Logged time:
2h43
